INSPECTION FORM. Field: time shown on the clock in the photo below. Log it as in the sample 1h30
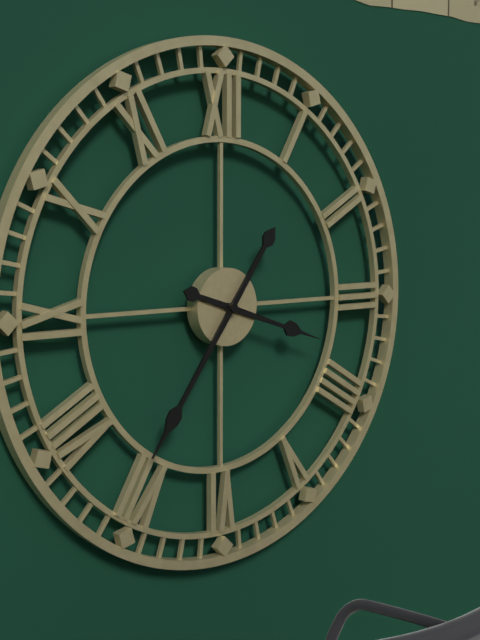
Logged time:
3h36
